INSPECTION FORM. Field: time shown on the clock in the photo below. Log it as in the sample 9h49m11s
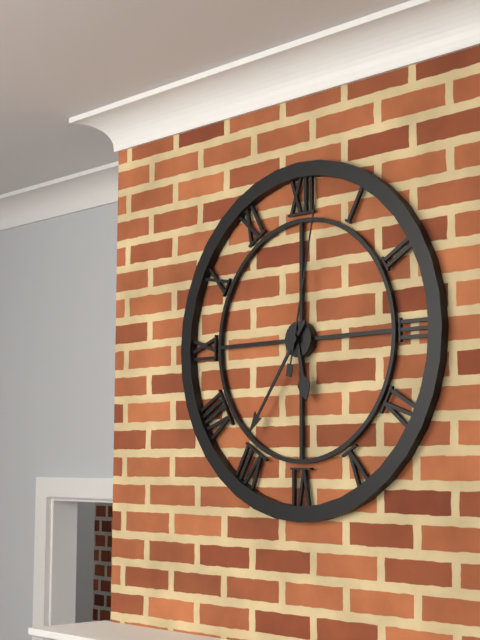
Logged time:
5h36m02s
